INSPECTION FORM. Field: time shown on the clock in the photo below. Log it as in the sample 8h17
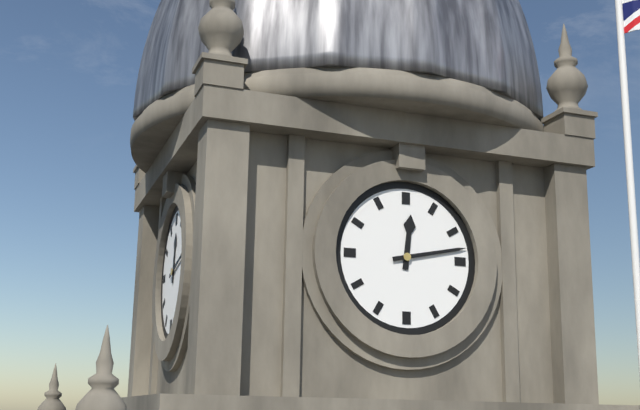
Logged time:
12h13
